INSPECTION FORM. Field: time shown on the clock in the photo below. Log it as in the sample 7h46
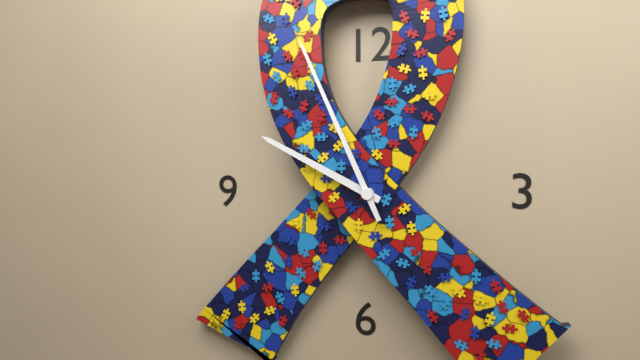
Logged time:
9h56
